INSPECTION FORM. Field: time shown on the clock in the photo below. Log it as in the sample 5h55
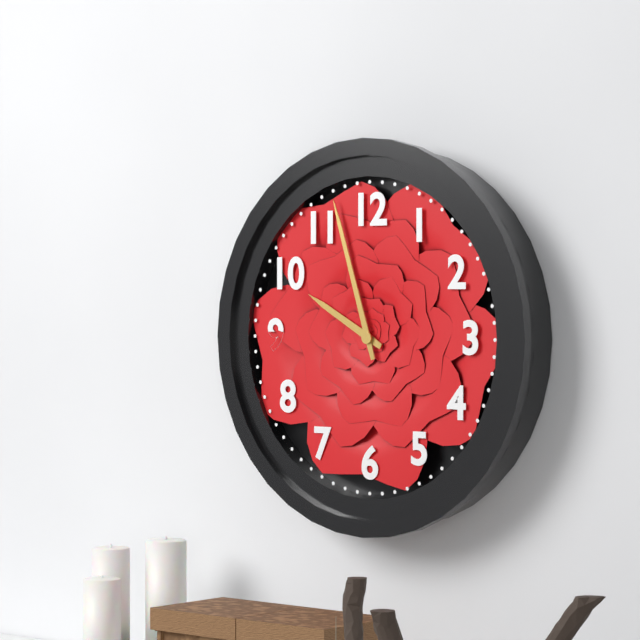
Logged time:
9h57
